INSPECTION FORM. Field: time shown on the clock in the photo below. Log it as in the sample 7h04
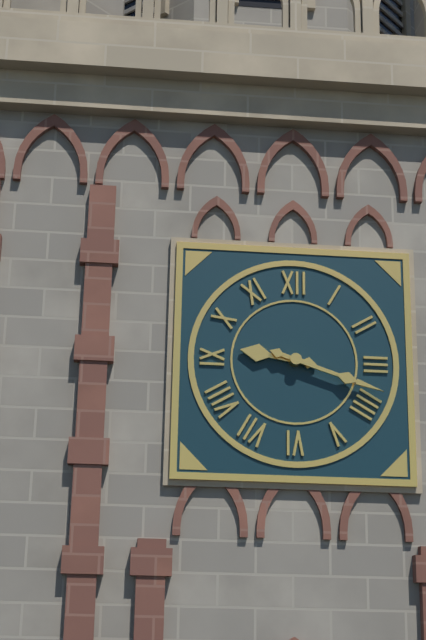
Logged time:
9h18
